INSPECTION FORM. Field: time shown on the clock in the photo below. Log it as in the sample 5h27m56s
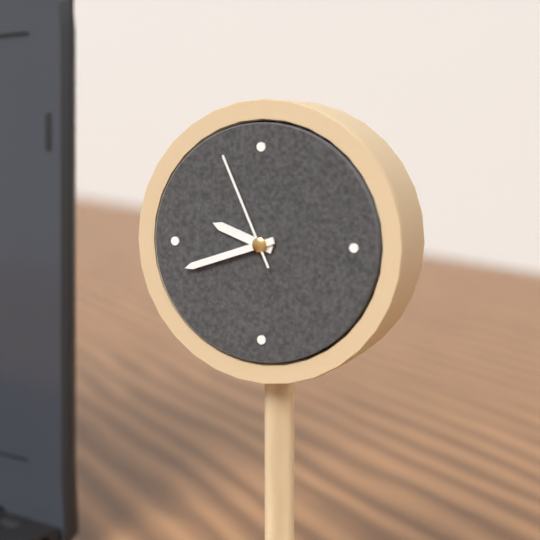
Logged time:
9h42m56s
